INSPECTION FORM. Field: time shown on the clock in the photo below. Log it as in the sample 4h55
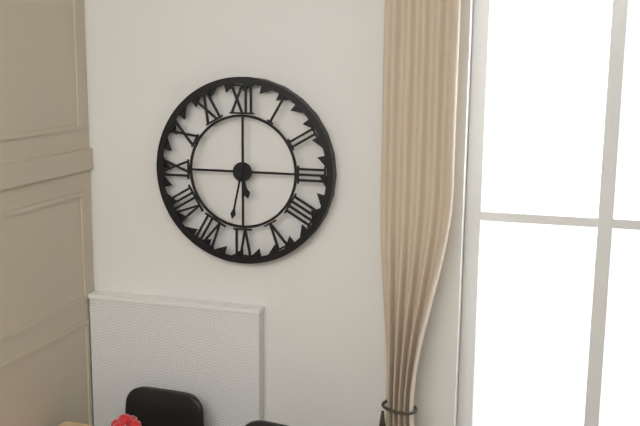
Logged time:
5h32
